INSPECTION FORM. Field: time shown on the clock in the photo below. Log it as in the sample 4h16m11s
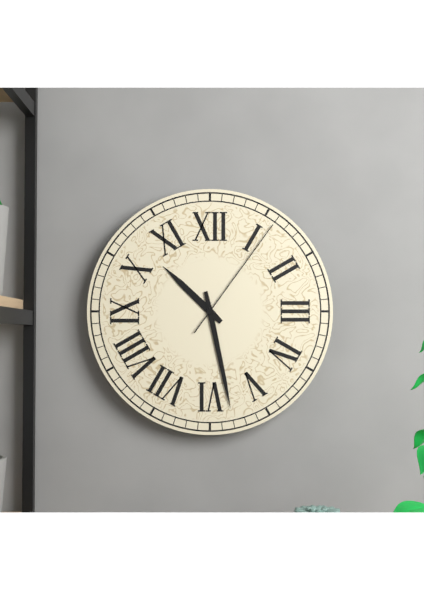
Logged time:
10h28m06s
